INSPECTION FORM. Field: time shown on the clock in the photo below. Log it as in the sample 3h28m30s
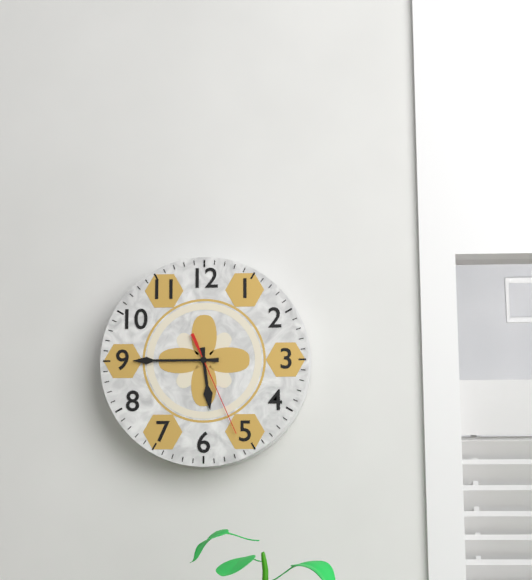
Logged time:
5h45m26s
